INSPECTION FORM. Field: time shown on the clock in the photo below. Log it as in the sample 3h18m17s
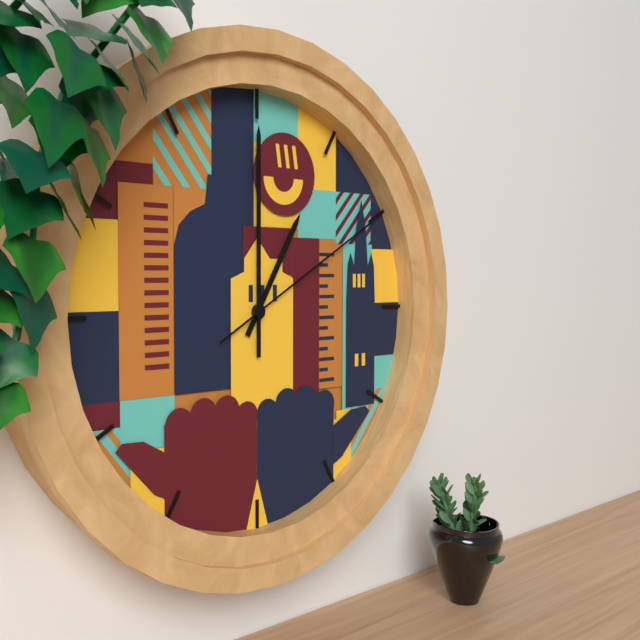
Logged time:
1h00m10s
